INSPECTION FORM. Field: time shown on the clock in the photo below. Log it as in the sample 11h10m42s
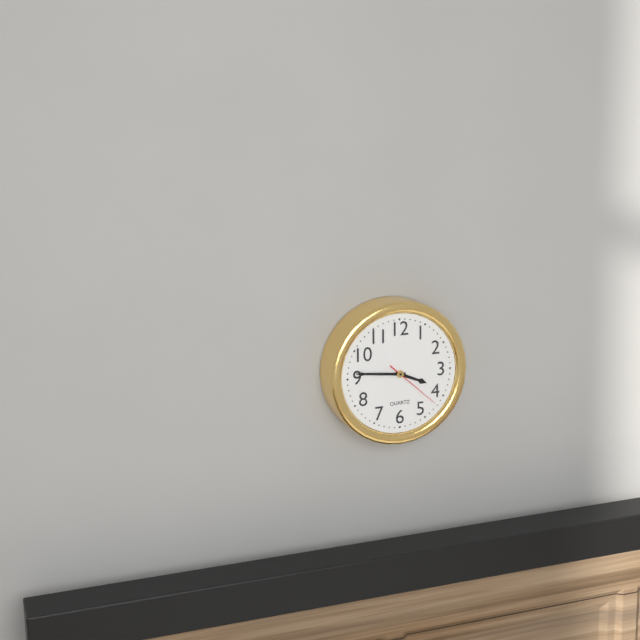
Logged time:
3h46m22s
